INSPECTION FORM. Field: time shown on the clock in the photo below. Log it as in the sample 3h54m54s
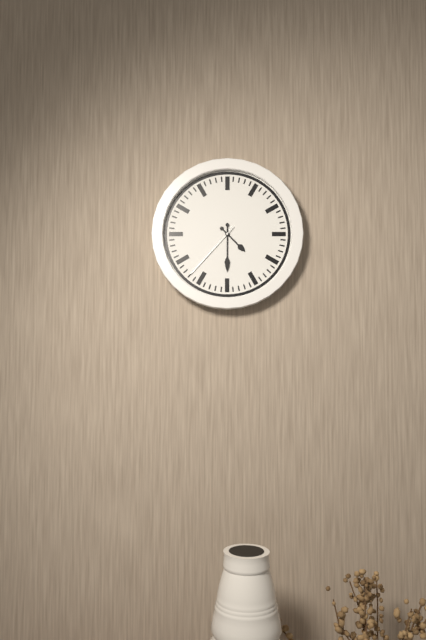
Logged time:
4h30m37s
